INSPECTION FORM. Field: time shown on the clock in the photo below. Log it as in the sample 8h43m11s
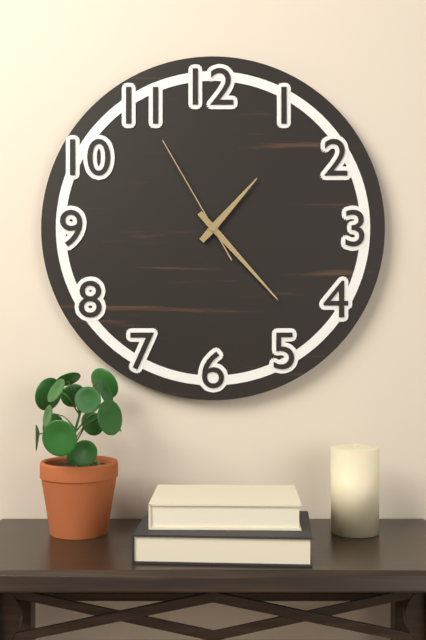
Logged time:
1h23m55s
